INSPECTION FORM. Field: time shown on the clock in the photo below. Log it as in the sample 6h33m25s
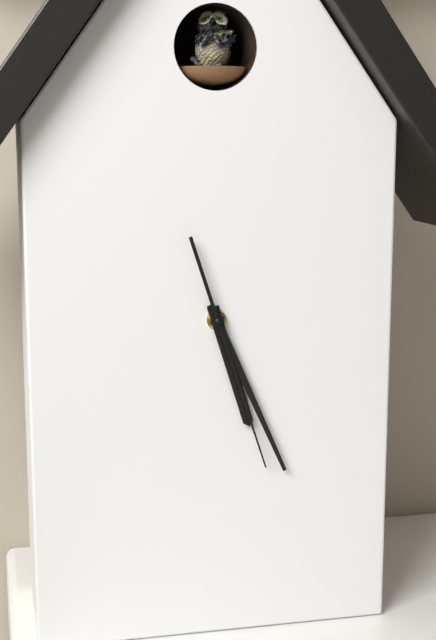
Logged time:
5h26m27s
